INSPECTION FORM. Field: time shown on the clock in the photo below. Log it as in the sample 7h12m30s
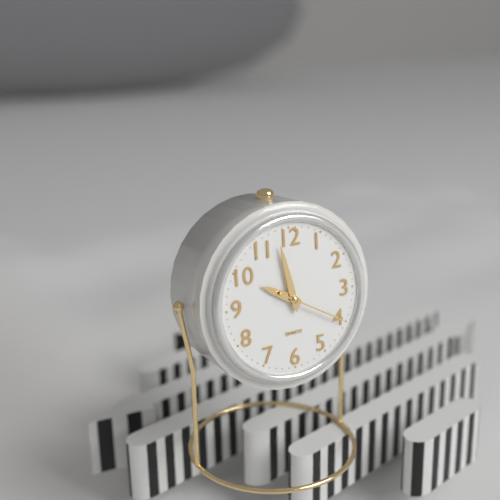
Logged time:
9h58m20s
